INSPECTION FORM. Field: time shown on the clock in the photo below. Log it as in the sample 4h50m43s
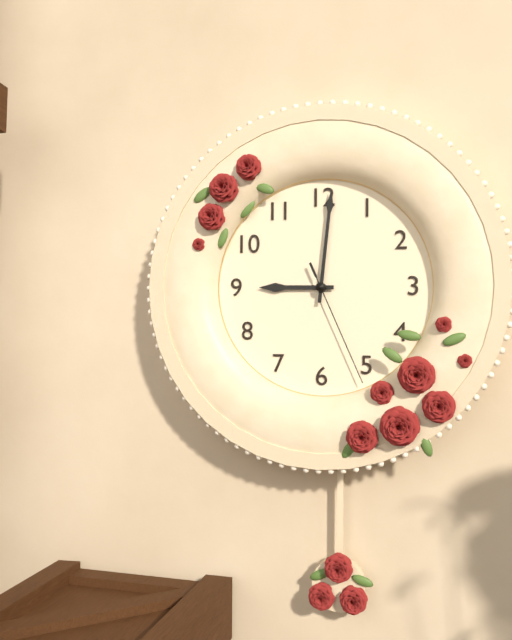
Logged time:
9h01m26s
